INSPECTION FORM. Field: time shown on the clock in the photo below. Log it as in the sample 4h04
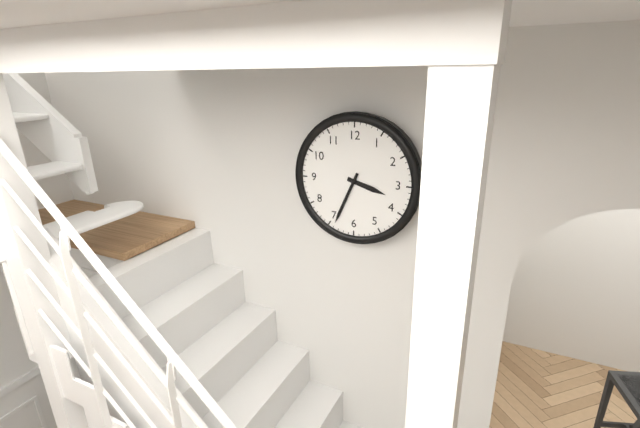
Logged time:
3h34
